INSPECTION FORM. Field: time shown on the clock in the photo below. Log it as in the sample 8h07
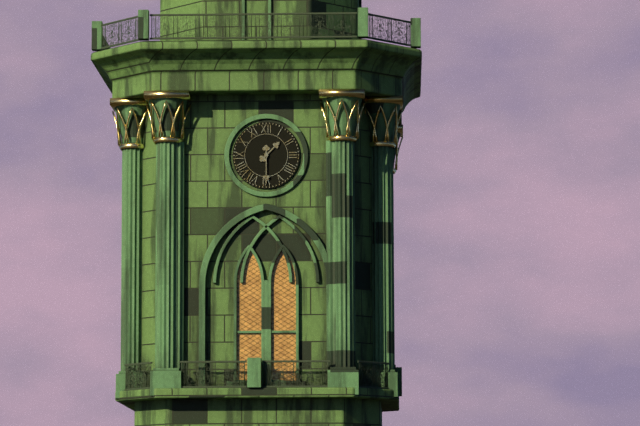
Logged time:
1h30
